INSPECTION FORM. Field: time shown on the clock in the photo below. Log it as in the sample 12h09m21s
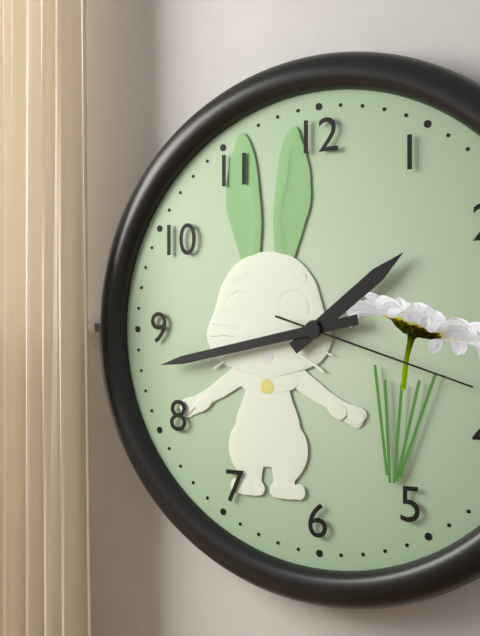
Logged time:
1h43m18s
